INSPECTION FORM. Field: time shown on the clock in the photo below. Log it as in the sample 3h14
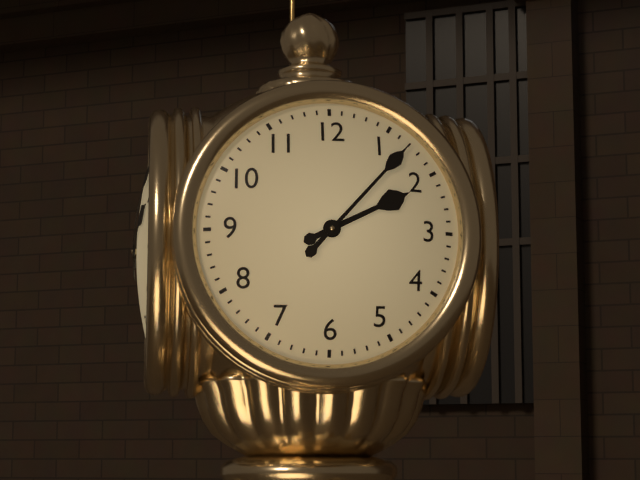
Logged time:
2h07
